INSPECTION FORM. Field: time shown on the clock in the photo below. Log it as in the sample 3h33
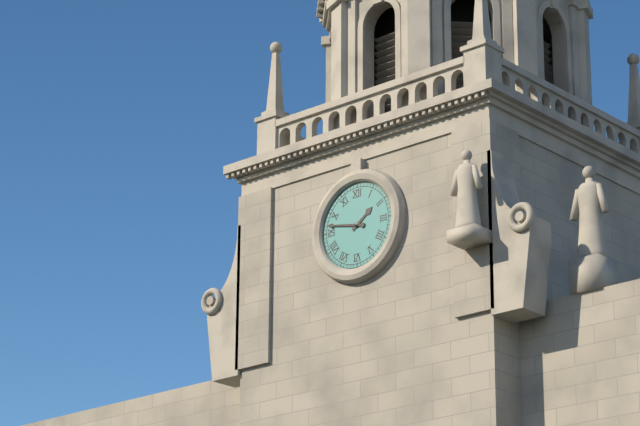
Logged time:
1h47
